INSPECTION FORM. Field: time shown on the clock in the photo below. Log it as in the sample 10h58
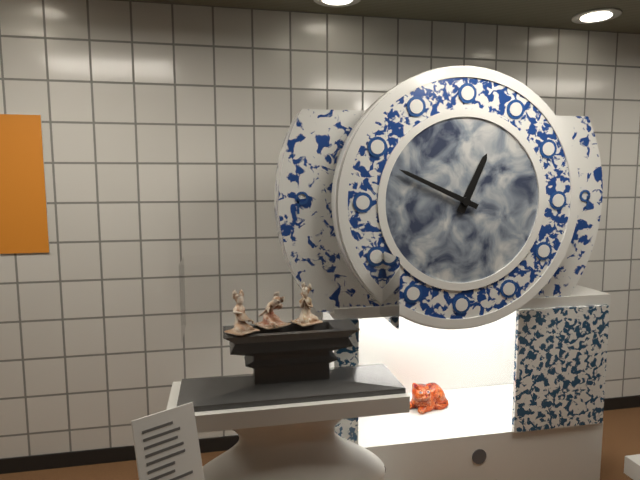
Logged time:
12h49
